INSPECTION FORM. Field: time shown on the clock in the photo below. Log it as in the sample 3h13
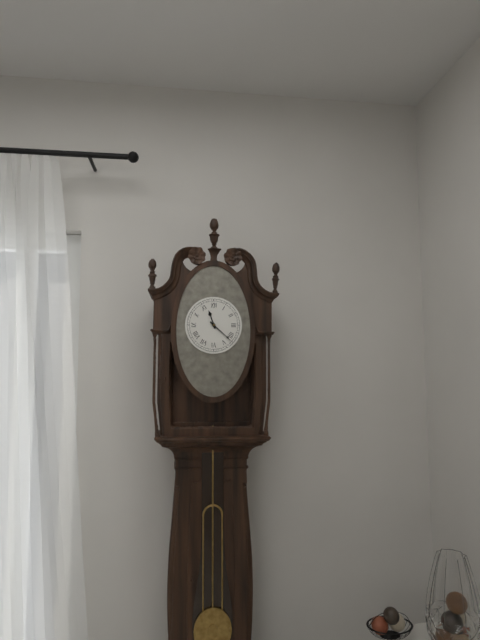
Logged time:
11h22
